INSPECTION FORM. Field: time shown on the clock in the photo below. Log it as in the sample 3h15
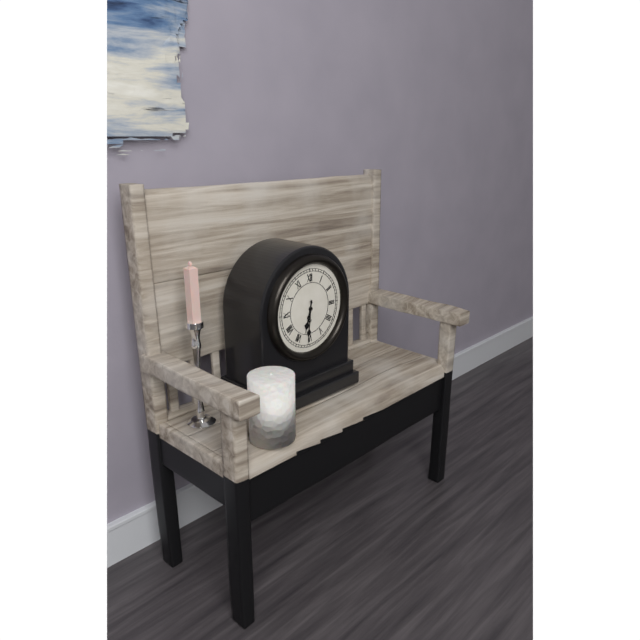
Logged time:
6h31
